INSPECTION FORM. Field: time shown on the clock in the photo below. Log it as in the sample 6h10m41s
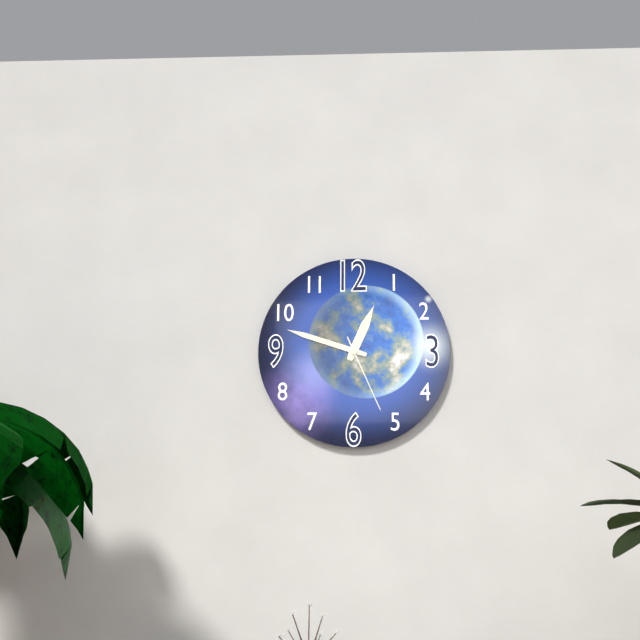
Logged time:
12h48m26s
